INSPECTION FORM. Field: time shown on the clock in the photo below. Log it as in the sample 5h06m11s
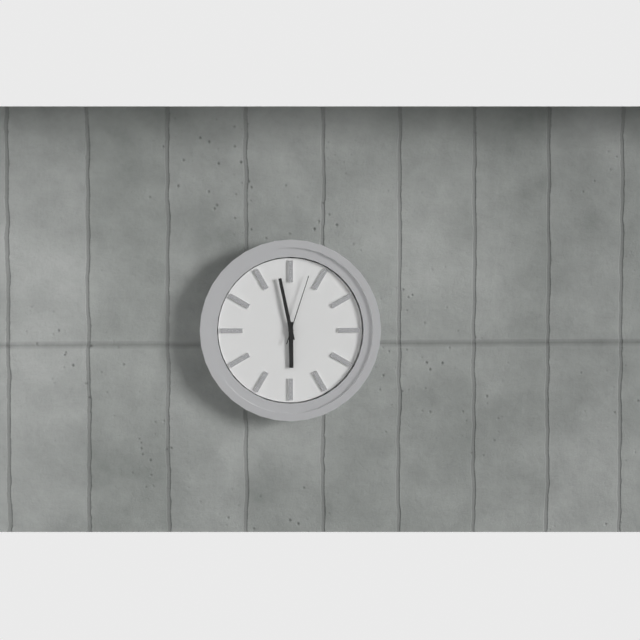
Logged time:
5h58m03s
